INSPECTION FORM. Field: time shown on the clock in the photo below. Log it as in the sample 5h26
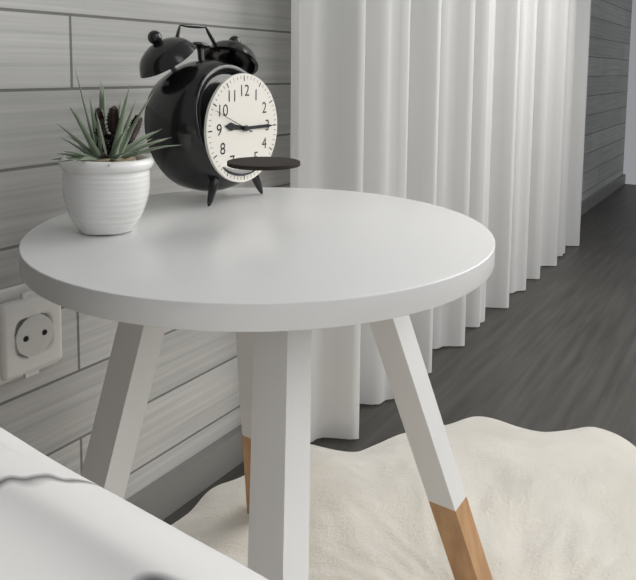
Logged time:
9h15
